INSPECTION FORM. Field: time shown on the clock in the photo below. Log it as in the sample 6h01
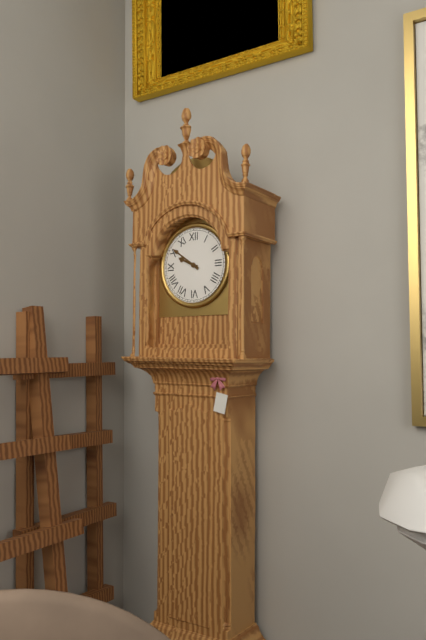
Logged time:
9h51
